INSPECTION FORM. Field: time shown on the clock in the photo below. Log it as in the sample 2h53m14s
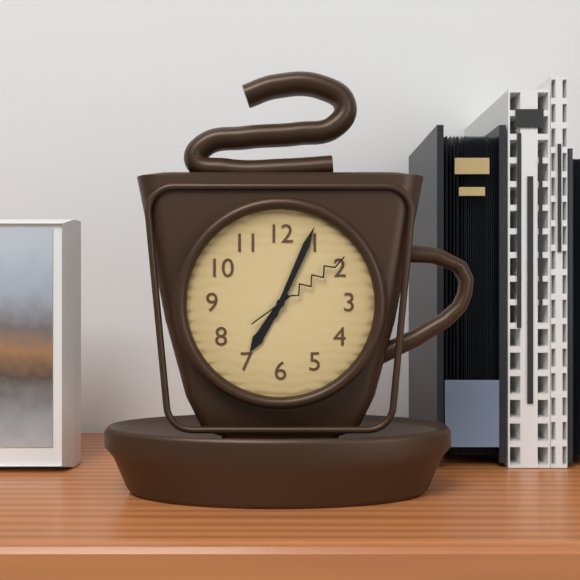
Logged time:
7h04m09s
